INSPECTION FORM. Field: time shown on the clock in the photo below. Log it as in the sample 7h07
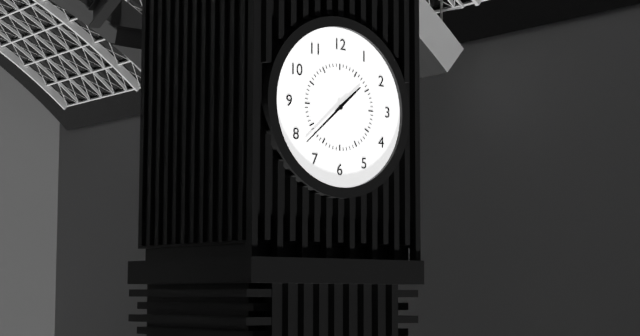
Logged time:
1h38
